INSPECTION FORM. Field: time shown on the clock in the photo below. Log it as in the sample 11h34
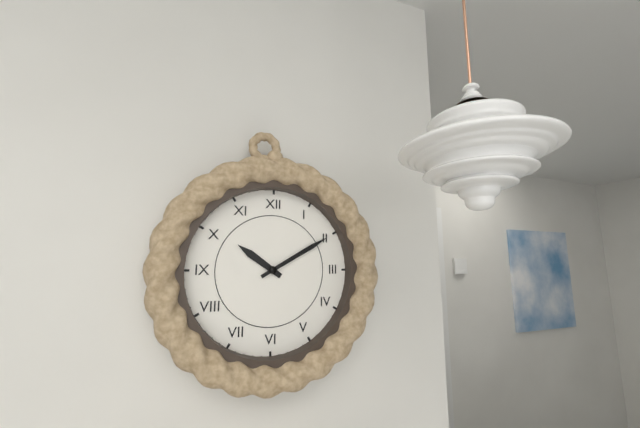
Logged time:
10h10
